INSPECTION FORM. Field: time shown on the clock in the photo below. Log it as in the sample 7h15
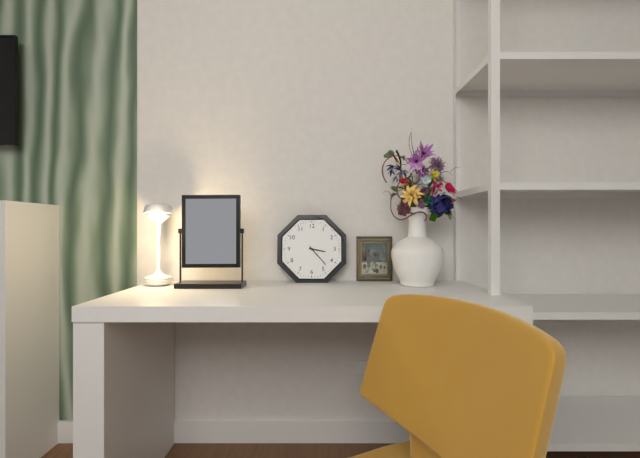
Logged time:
3h23
